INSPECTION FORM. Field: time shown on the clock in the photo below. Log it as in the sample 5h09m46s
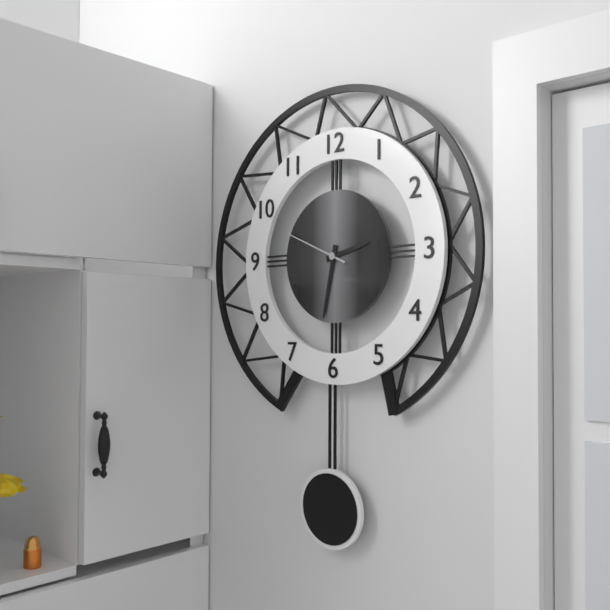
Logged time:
2h32m49s
